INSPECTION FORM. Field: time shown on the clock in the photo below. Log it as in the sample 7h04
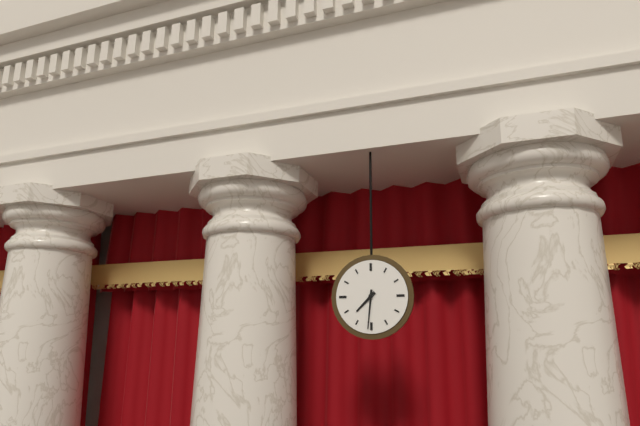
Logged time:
7h31
